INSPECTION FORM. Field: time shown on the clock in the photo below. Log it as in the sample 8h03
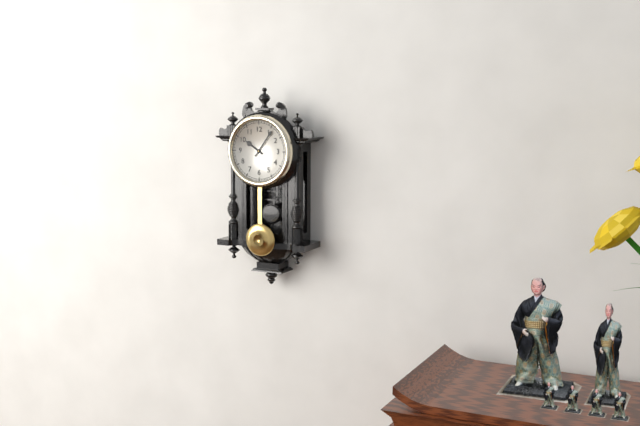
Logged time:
10h06
